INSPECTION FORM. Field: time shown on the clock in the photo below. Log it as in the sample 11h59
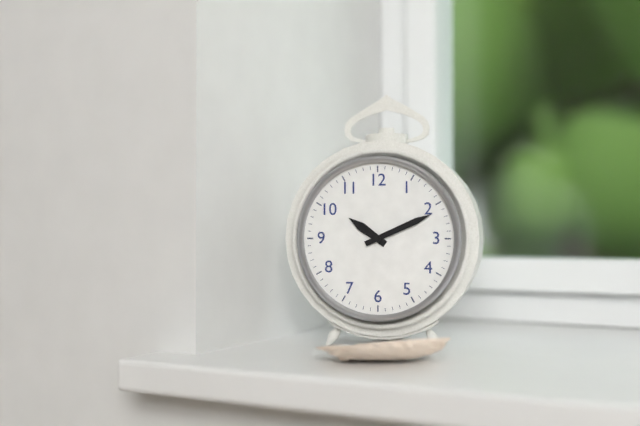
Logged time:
10h11
